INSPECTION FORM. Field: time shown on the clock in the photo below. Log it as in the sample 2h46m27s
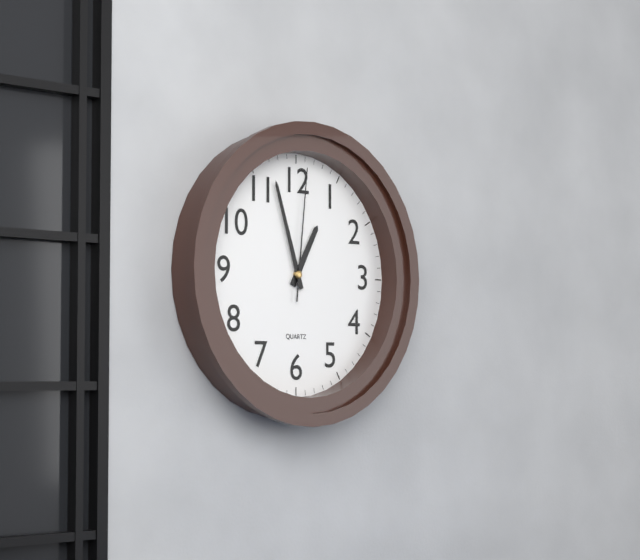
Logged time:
12h57m01s
